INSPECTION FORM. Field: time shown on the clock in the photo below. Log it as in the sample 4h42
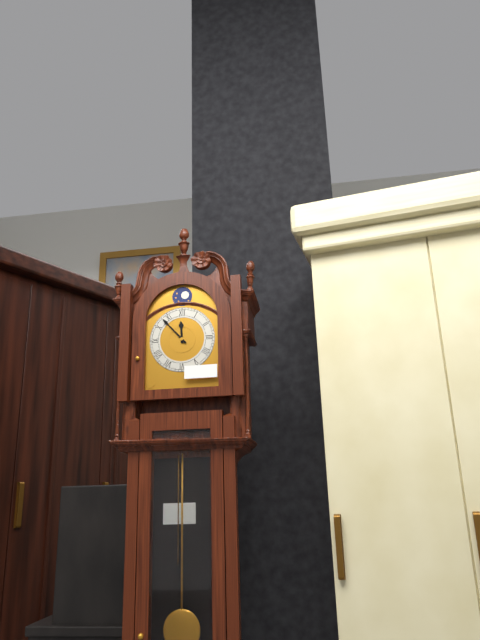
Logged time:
11h53
